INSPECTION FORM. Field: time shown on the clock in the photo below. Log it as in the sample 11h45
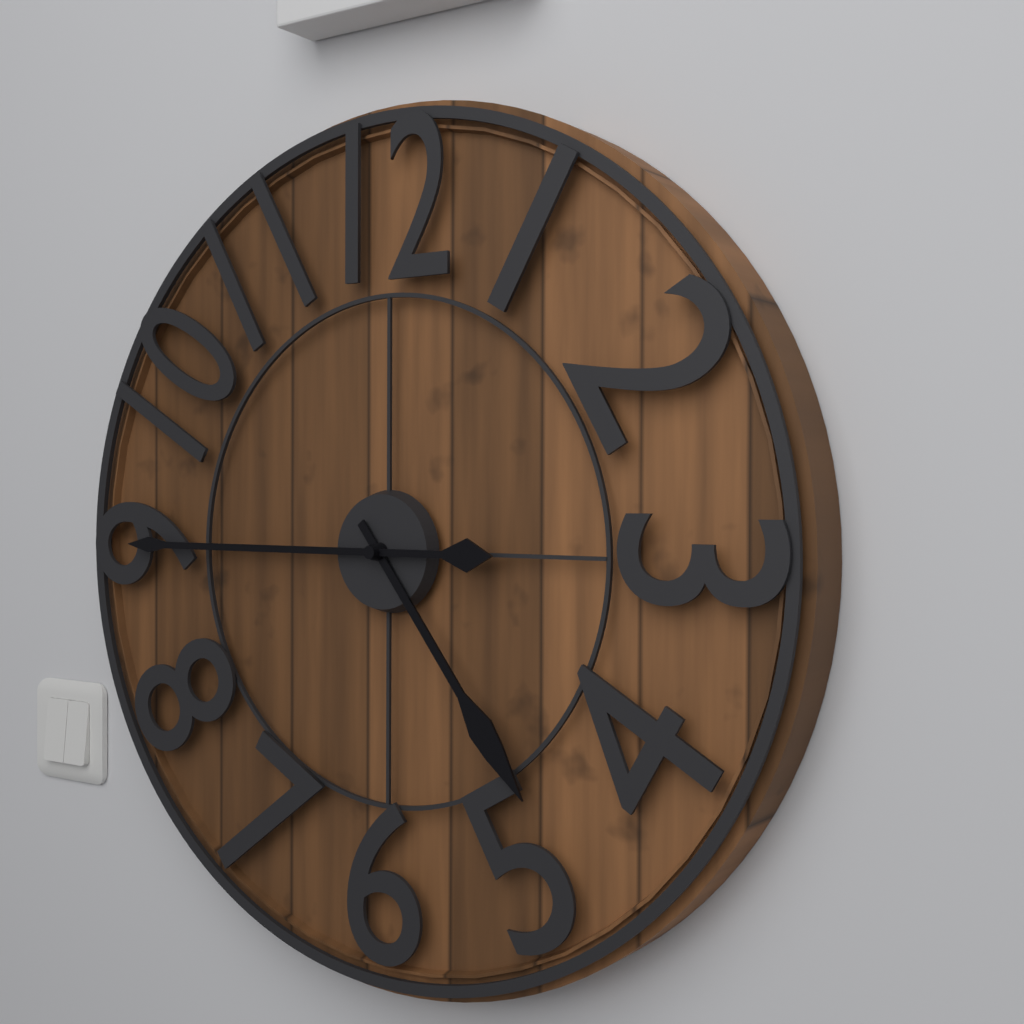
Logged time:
4h45
